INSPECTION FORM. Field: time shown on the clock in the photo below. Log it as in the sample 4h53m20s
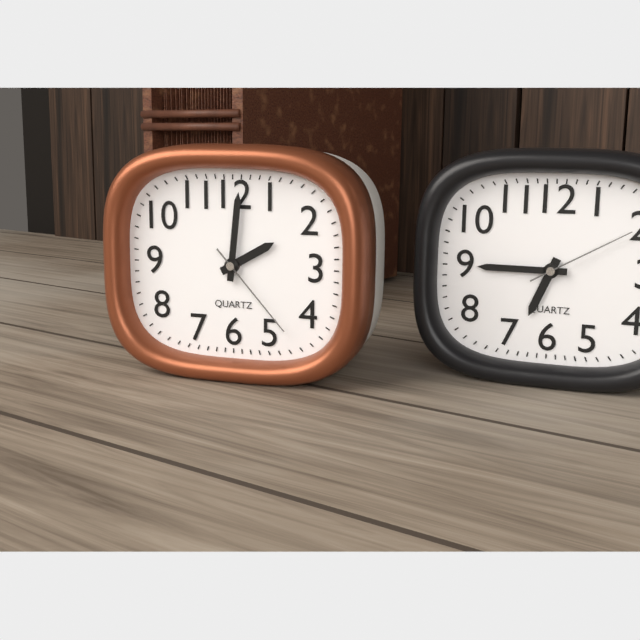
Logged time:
2h01m23s
